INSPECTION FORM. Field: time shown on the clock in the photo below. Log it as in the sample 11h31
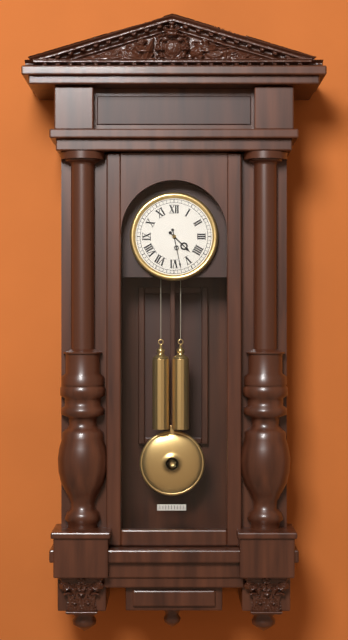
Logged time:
4h28
